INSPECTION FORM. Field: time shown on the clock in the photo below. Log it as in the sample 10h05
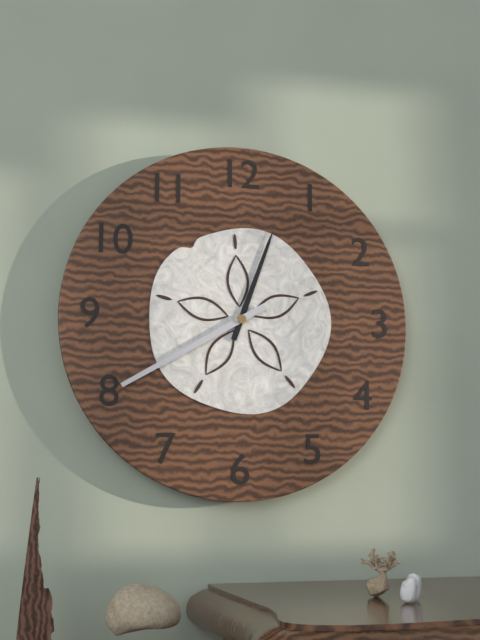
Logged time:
12h40
